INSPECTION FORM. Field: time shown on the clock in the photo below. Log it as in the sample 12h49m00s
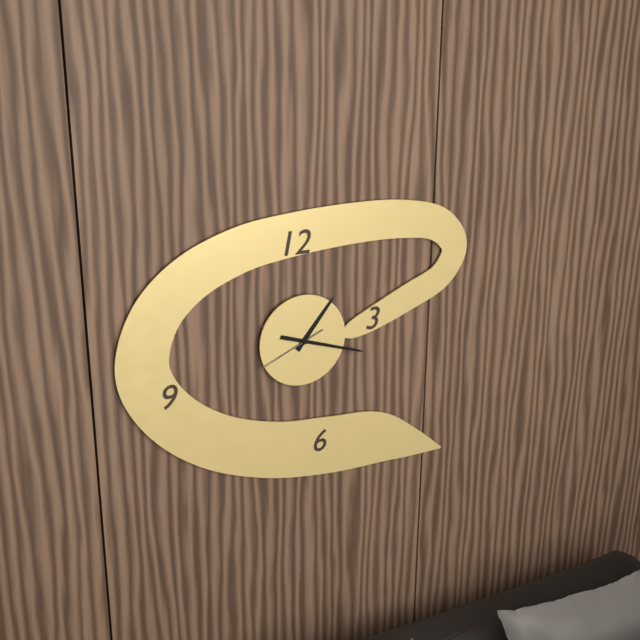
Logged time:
1h18m41s
